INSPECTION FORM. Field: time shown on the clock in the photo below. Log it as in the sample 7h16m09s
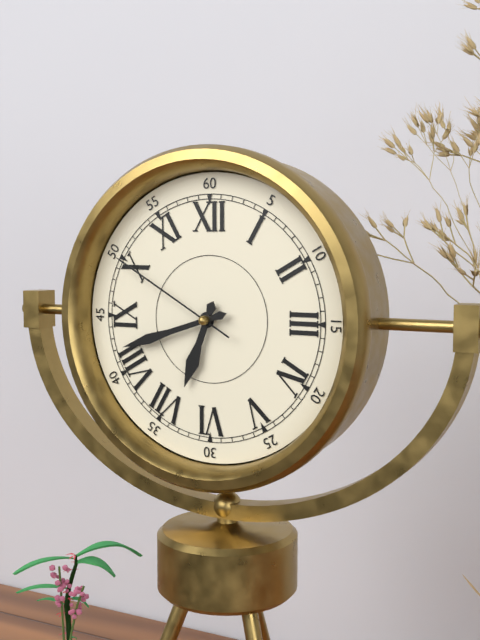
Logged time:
6h42m50s
